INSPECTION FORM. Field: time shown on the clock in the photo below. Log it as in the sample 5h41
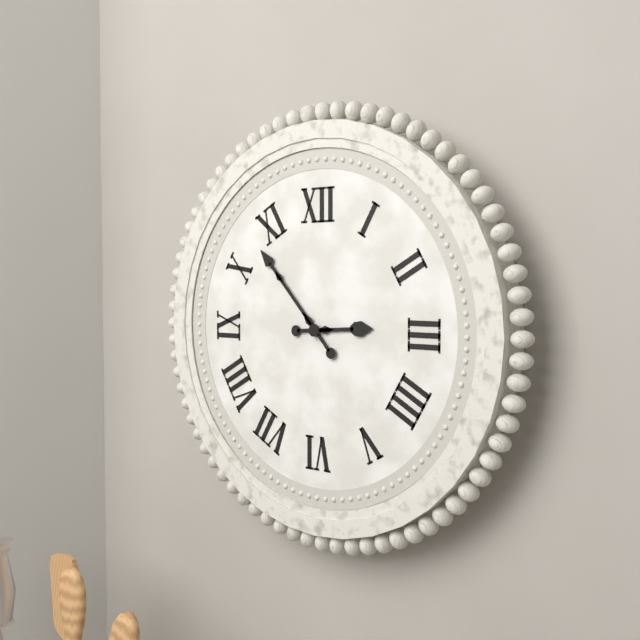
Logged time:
2h53
